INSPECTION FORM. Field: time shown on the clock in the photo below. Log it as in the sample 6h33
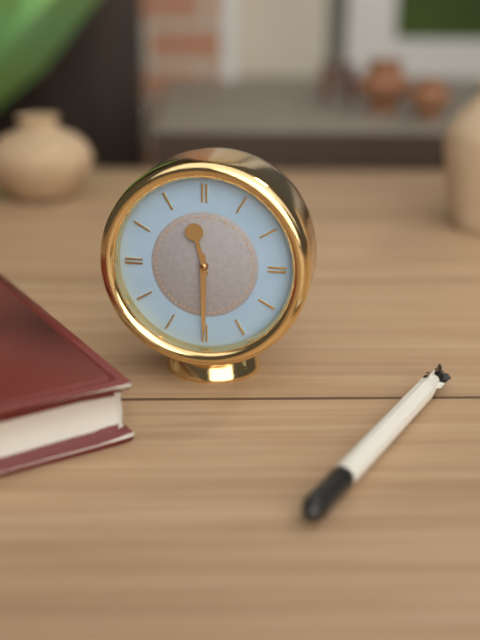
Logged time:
11h30
